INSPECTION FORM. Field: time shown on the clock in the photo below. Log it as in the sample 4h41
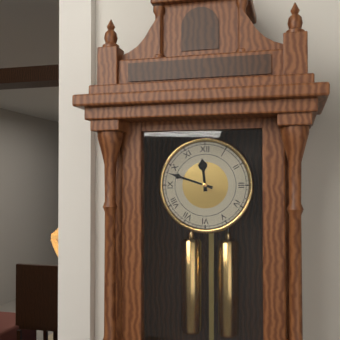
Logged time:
11h48
